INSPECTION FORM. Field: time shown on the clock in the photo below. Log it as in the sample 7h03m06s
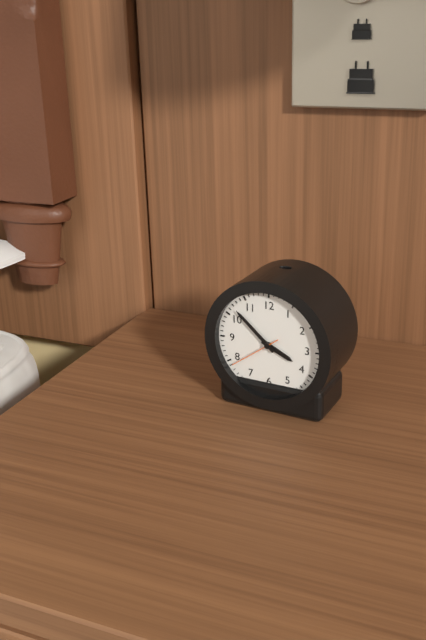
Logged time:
3h52m39s
